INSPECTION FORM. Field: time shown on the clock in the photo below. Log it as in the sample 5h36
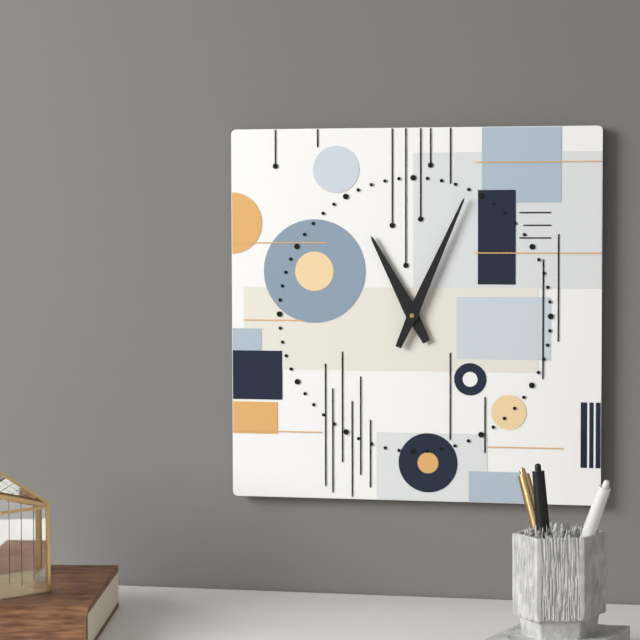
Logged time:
11h04
